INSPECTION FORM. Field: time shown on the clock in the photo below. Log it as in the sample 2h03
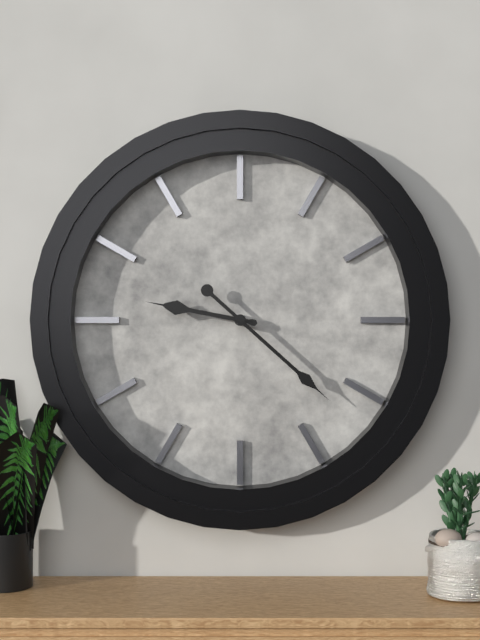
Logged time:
9h22
